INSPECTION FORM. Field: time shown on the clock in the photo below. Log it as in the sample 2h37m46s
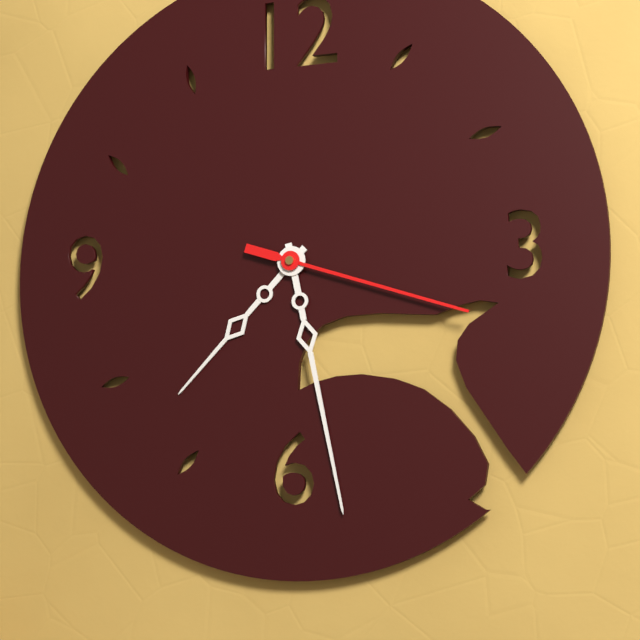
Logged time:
7h28m18s
